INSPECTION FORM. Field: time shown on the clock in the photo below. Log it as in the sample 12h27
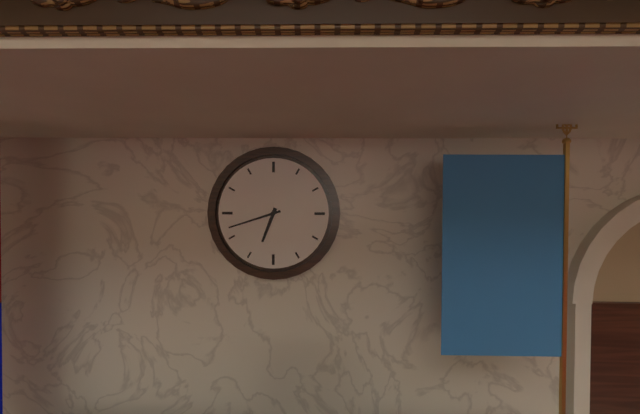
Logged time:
6h42
